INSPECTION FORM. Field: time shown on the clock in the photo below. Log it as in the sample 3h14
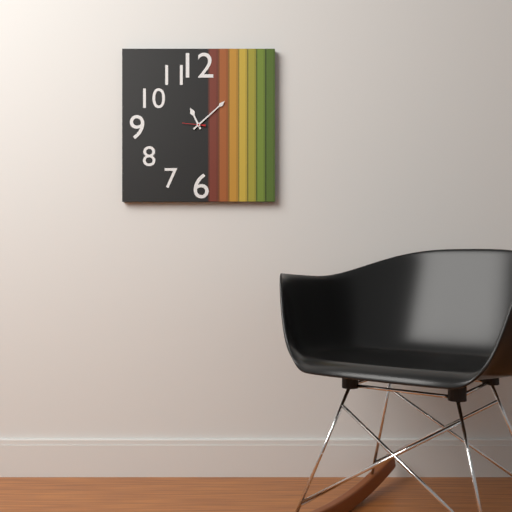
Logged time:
11h08
